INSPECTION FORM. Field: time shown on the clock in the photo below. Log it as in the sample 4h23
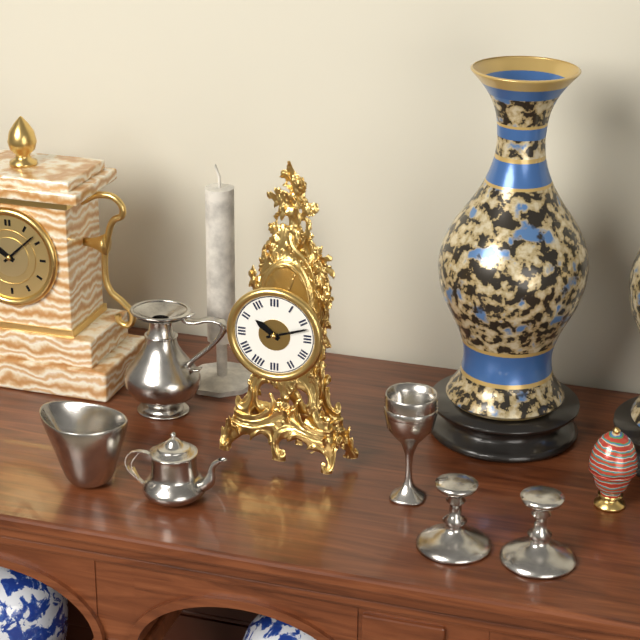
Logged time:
10h12
